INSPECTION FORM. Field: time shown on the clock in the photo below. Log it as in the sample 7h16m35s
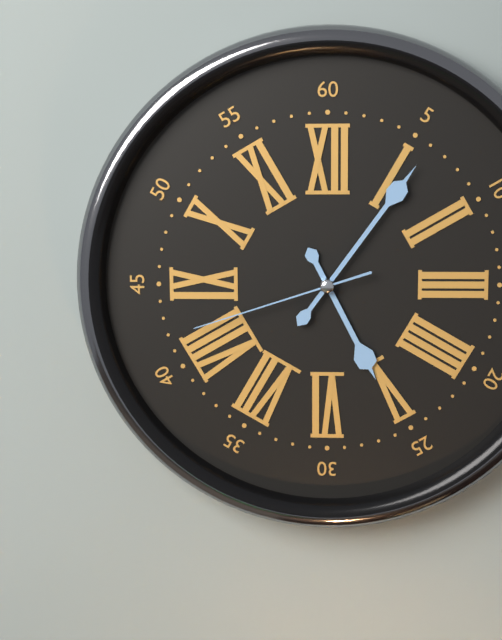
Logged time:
5h06m42s
